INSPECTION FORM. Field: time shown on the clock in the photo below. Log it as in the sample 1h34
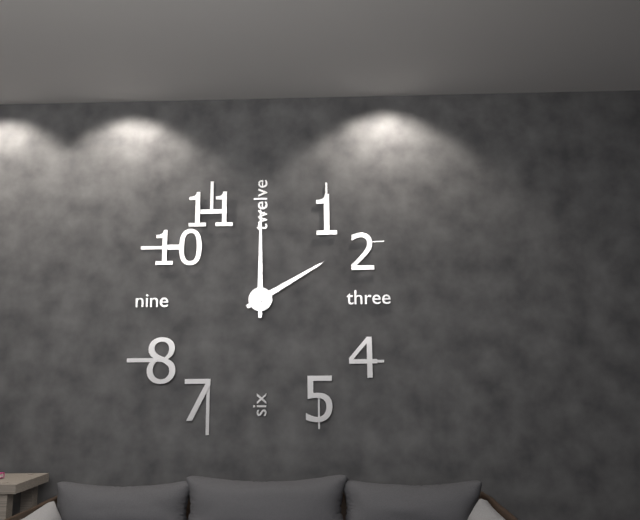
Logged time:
2h00
